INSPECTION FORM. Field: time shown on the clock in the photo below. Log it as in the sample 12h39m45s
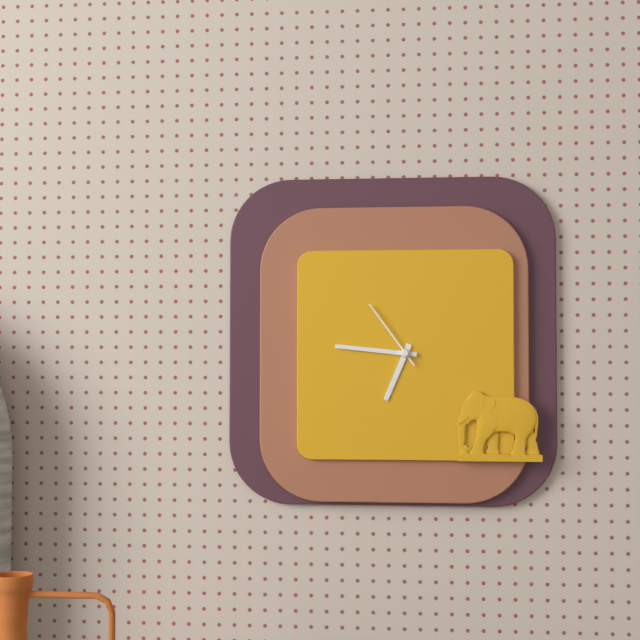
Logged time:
6h46m54s
